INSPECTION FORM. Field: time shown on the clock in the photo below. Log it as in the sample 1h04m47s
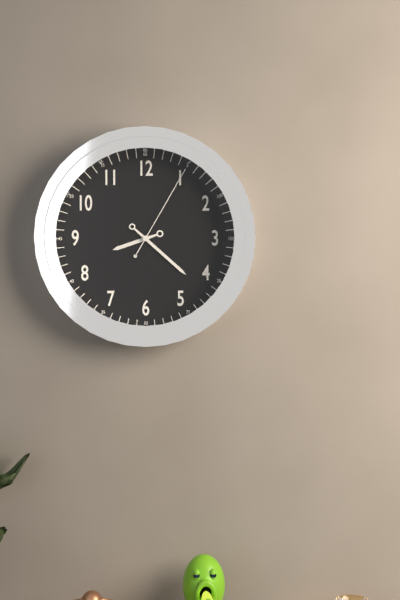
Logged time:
8h22m05s
